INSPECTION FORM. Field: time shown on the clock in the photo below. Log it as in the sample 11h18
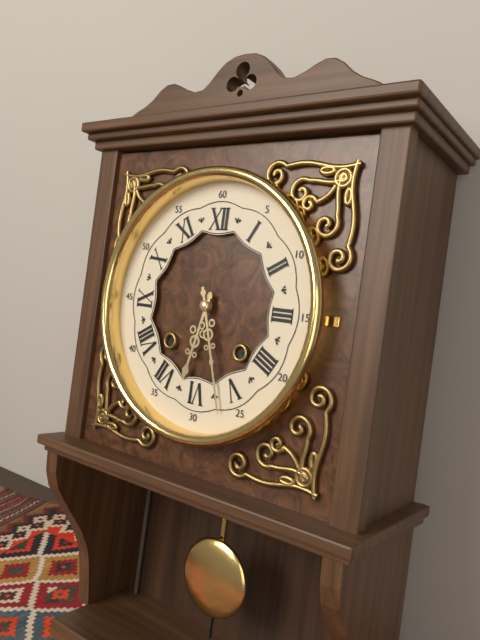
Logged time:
6h27
